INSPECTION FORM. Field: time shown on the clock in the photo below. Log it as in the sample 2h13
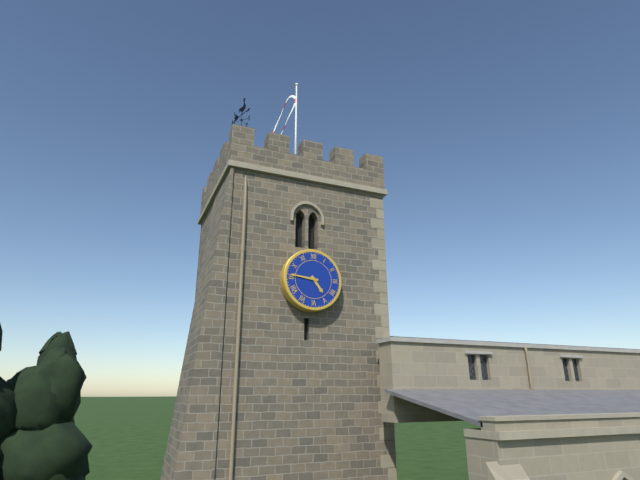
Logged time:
4h46
